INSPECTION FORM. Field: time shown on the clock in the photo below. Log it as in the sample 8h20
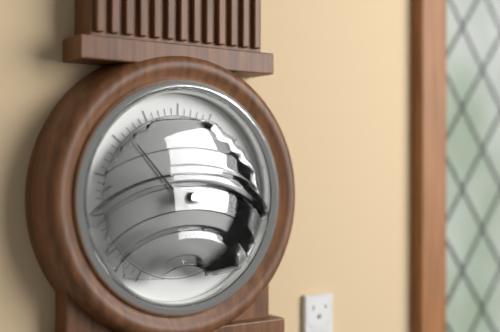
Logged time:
2h53
